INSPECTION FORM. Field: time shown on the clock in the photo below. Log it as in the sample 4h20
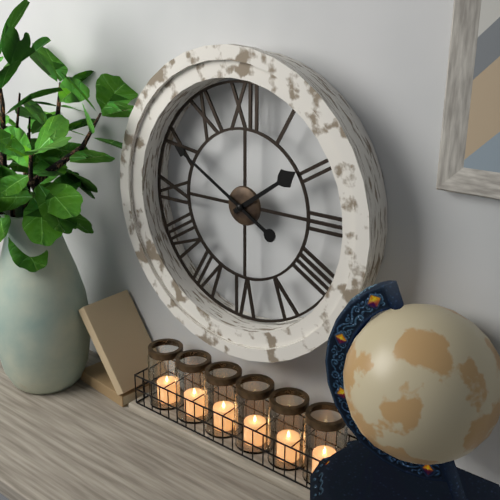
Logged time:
1h50
